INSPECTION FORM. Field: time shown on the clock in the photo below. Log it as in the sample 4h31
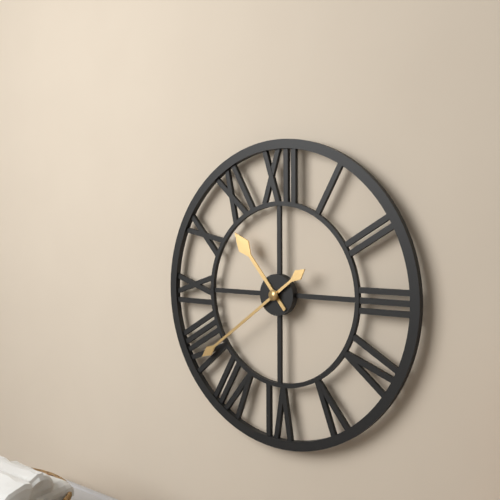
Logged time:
10h39
